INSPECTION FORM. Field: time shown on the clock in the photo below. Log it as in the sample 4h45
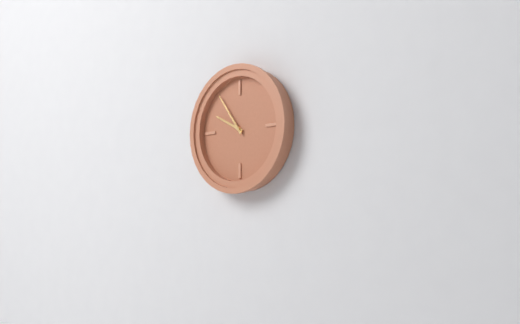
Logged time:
9h54
